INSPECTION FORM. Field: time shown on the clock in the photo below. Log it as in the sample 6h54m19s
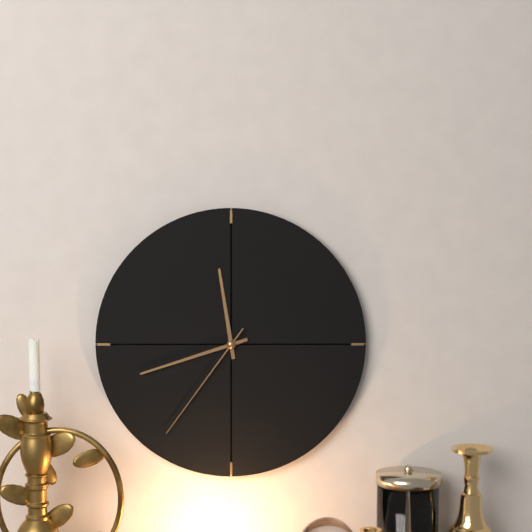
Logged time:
11h42m36s
